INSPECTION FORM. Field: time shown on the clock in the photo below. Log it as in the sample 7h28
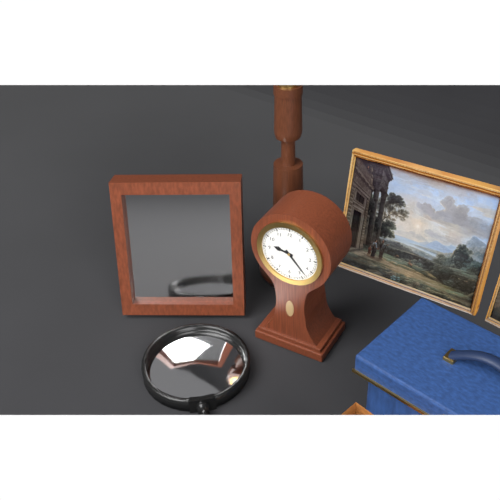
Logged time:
9h23
